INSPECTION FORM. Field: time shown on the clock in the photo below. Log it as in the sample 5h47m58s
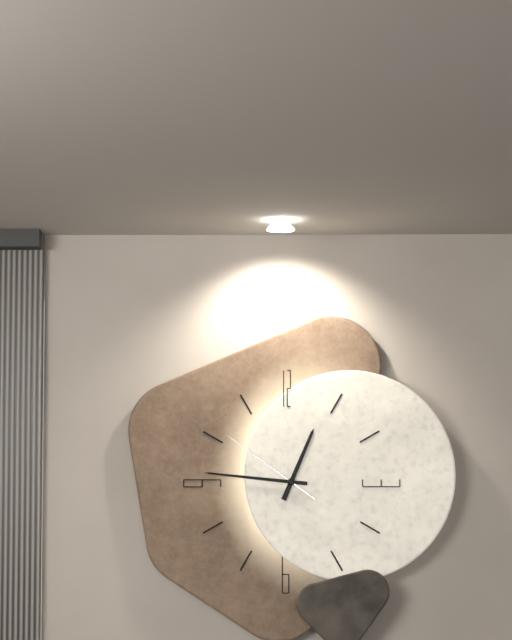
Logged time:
12h46m51s
